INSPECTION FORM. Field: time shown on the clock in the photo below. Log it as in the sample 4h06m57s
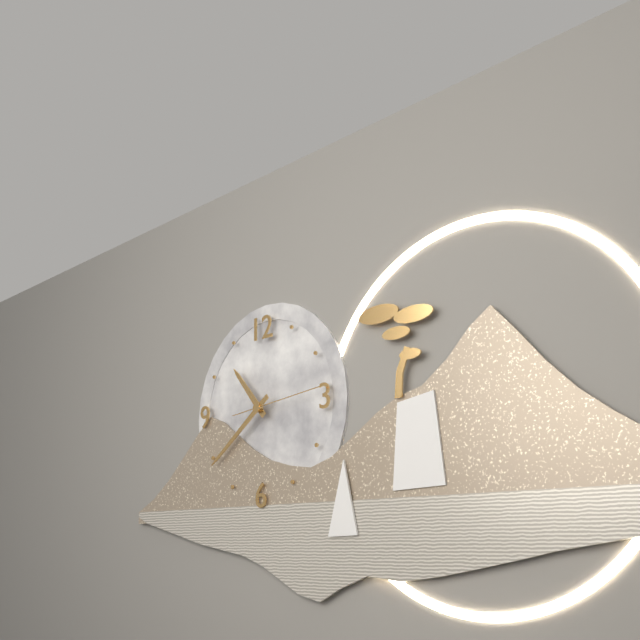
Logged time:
10h39m14s
